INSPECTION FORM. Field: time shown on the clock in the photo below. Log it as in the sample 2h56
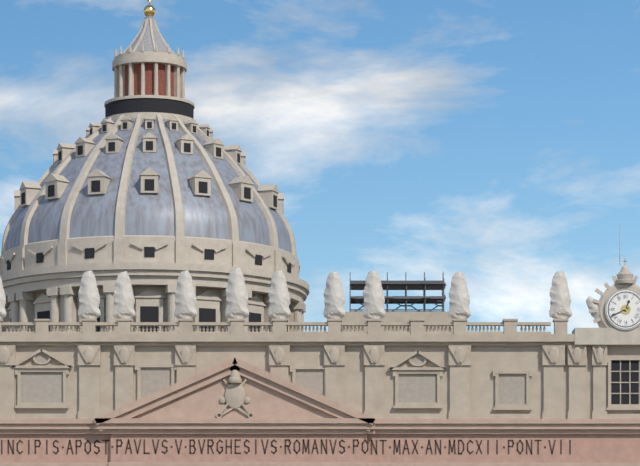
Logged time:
12h41
